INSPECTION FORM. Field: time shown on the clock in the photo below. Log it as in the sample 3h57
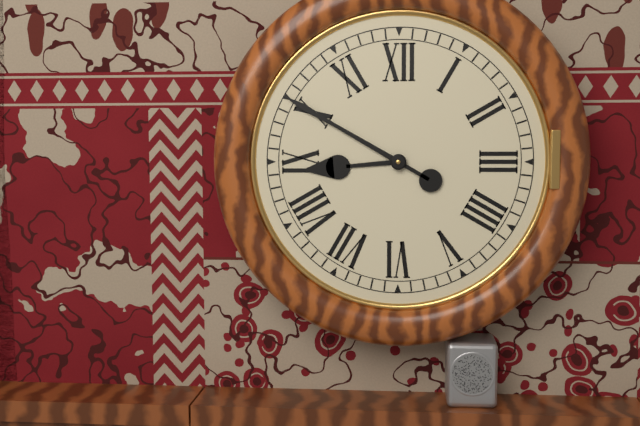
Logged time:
8h50
